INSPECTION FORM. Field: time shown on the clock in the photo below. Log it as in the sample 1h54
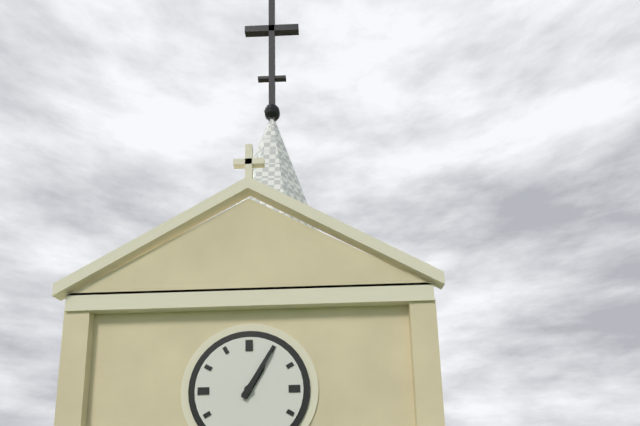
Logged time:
1h05
